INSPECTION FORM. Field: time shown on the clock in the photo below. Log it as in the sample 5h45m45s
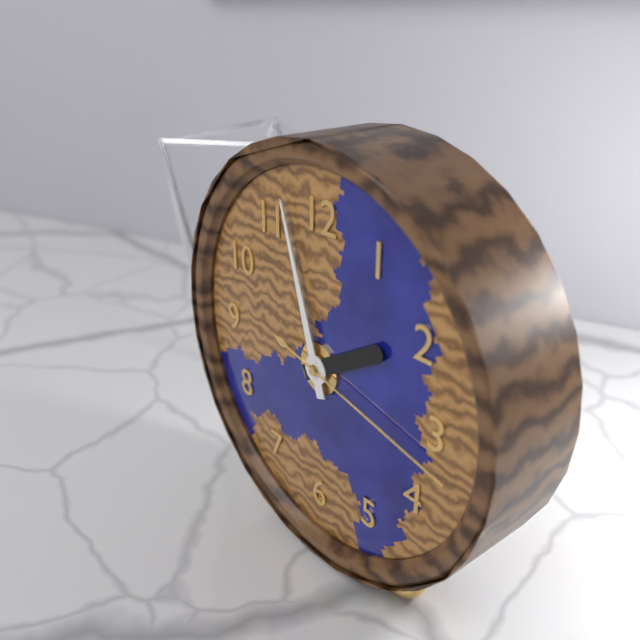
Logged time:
1h57m17s
